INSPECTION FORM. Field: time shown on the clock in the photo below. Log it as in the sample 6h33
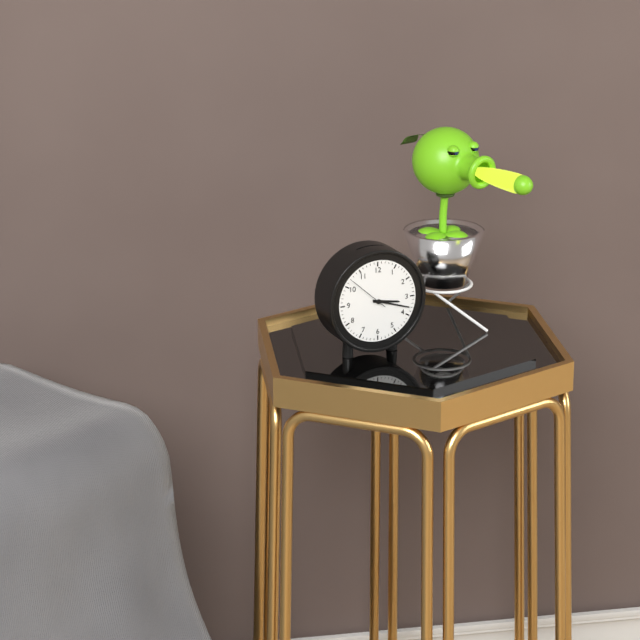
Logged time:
3h18
